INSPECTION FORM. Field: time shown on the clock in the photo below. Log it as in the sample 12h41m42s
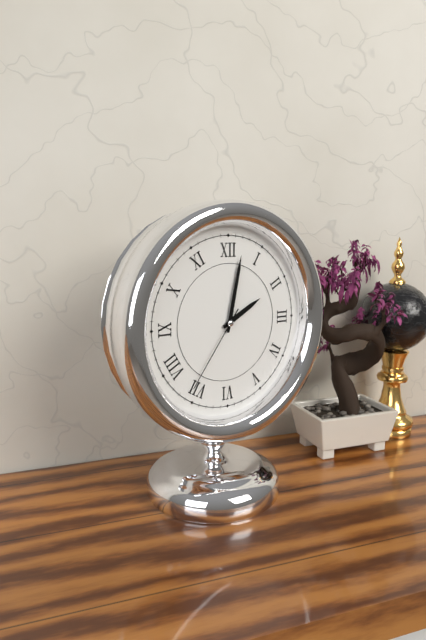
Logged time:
2h02m36s
